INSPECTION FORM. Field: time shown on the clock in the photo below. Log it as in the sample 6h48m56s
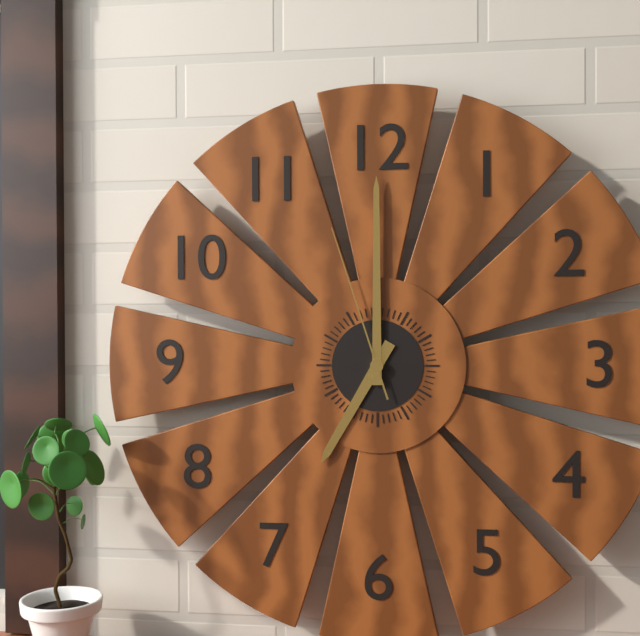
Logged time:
7h00m57s
